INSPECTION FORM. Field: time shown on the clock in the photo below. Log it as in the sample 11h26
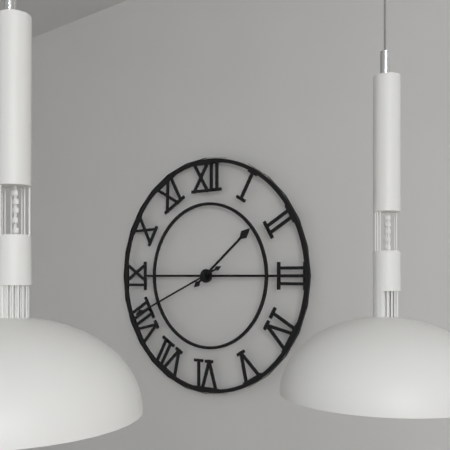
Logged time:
1h41
